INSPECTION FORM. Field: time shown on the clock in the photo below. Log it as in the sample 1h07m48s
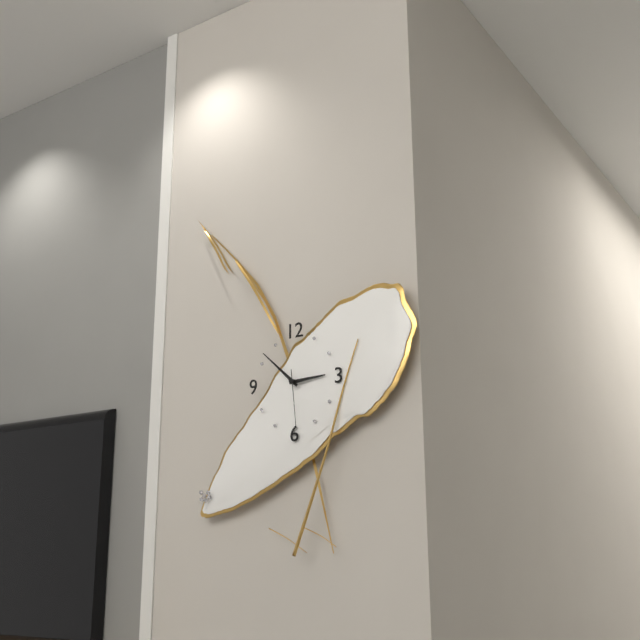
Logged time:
2h52m29s
